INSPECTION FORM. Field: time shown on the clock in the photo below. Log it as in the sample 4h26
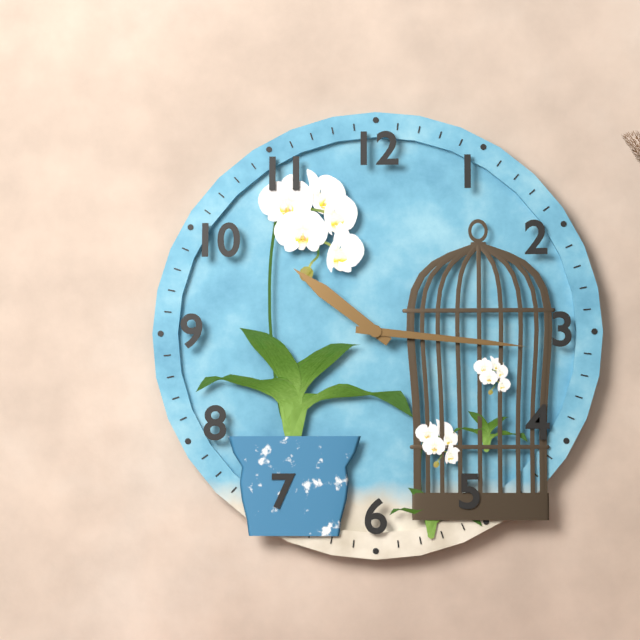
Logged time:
10h16
